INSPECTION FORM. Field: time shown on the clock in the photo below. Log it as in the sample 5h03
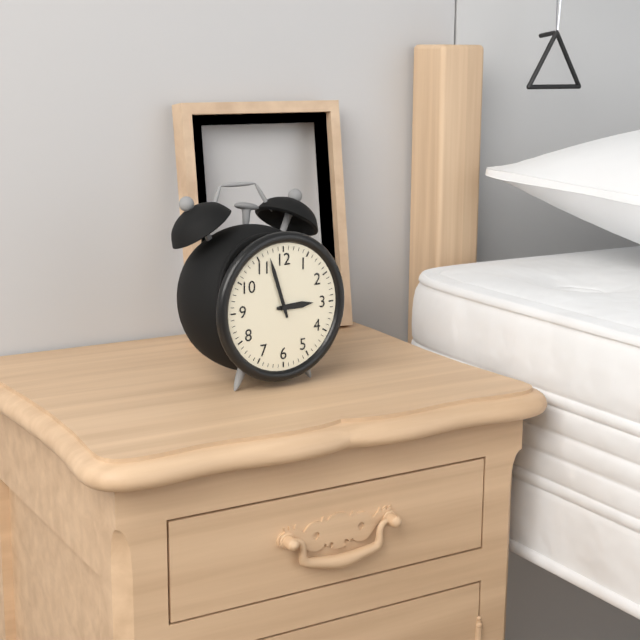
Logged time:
2h57
